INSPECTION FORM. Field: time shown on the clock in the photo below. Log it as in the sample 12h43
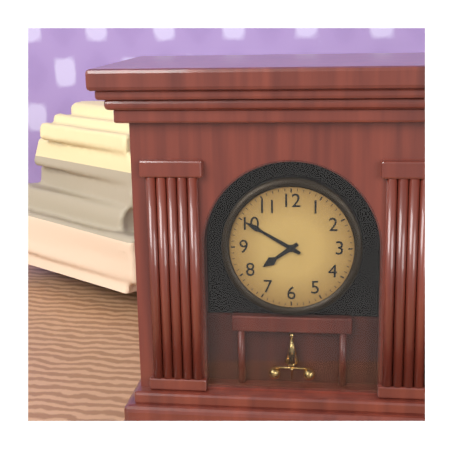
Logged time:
7h50
